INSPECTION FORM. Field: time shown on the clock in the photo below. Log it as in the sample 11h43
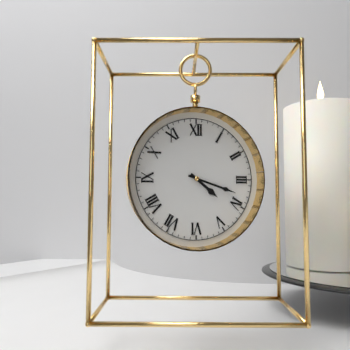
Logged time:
4h18
